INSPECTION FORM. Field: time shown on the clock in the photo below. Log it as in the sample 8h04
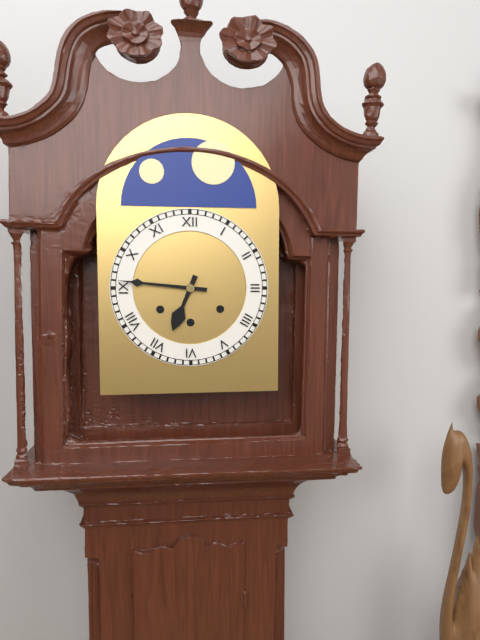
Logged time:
6h46
